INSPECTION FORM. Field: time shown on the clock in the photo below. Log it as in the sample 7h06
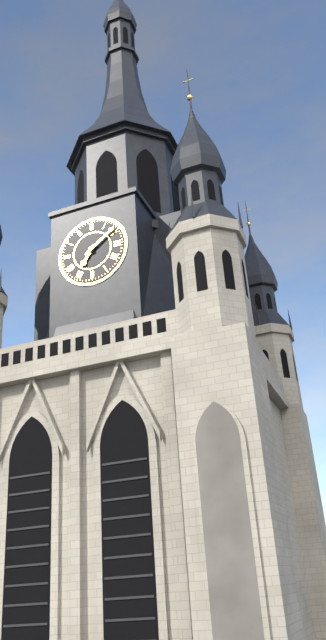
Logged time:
7h09
